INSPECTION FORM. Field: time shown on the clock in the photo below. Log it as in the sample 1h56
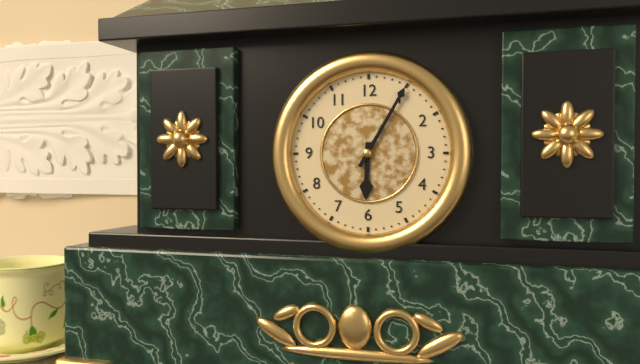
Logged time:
6h05
